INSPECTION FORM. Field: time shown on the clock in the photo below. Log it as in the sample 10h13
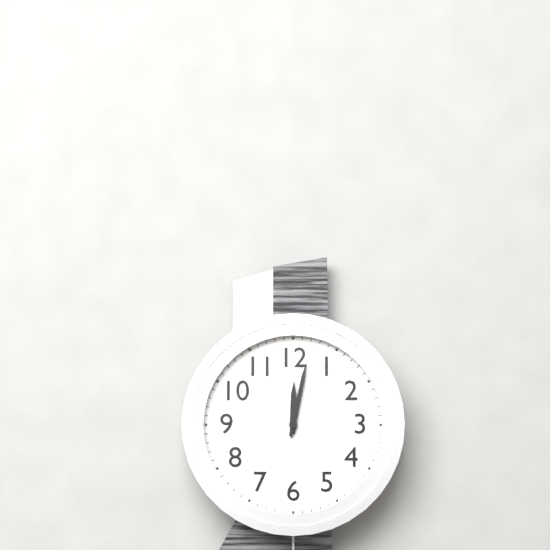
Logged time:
12h02
